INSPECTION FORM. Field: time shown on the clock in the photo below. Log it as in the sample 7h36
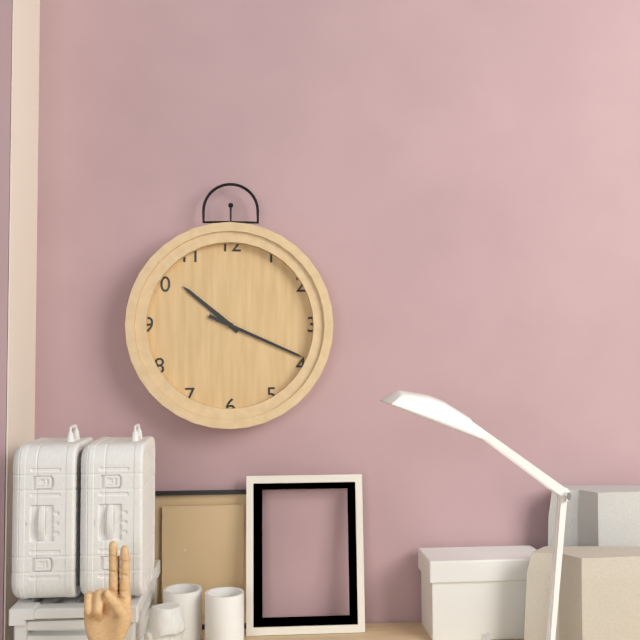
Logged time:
10h19
